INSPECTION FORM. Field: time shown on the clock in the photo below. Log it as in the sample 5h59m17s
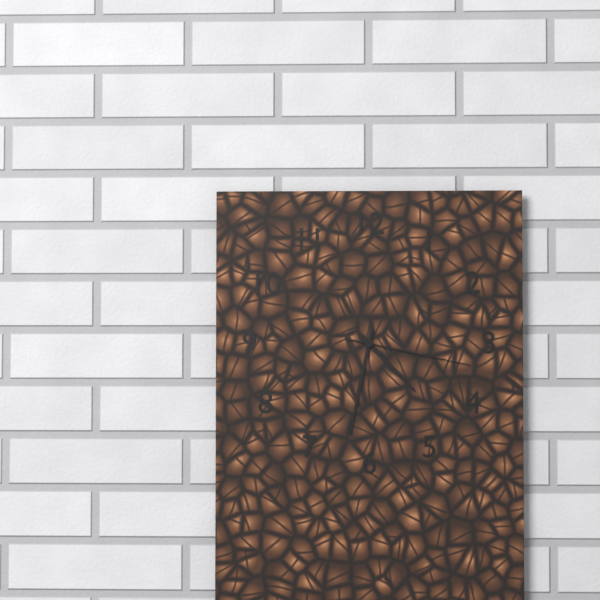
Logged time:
4h32m17s
